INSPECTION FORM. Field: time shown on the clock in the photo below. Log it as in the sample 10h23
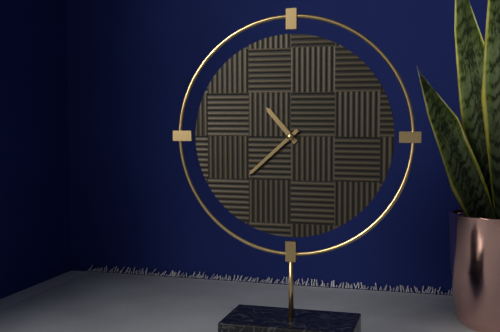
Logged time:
10h38
